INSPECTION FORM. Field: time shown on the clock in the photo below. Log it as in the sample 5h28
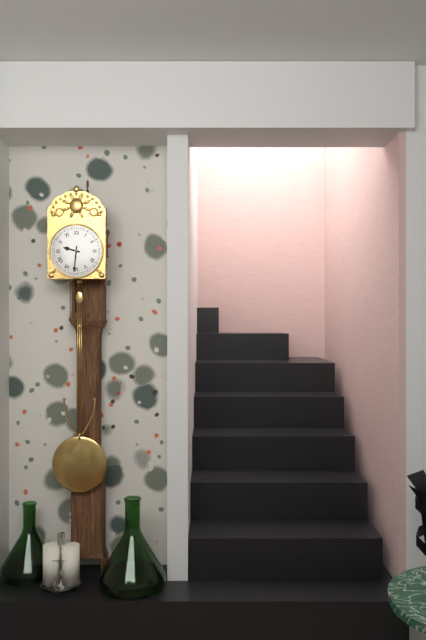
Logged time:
9h31
